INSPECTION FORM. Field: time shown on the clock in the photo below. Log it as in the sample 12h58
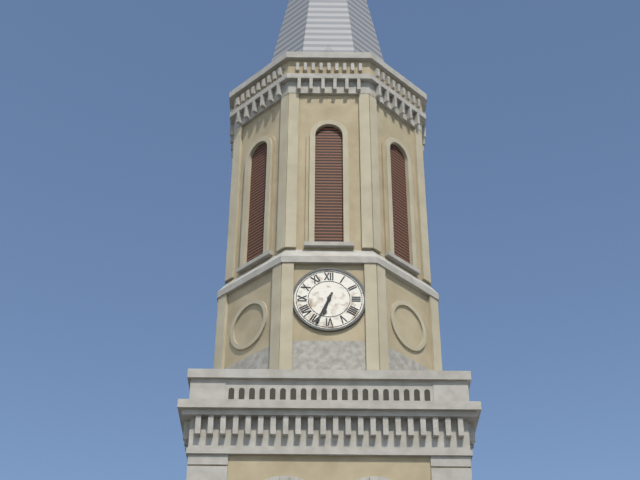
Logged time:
6h34
